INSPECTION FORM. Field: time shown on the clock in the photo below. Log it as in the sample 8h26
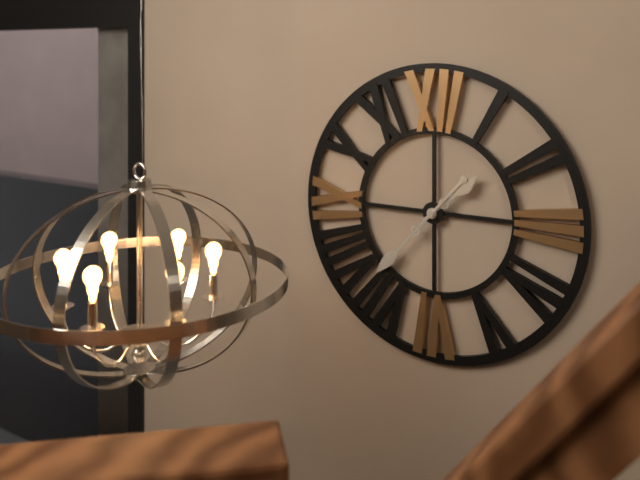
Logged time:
1h37
